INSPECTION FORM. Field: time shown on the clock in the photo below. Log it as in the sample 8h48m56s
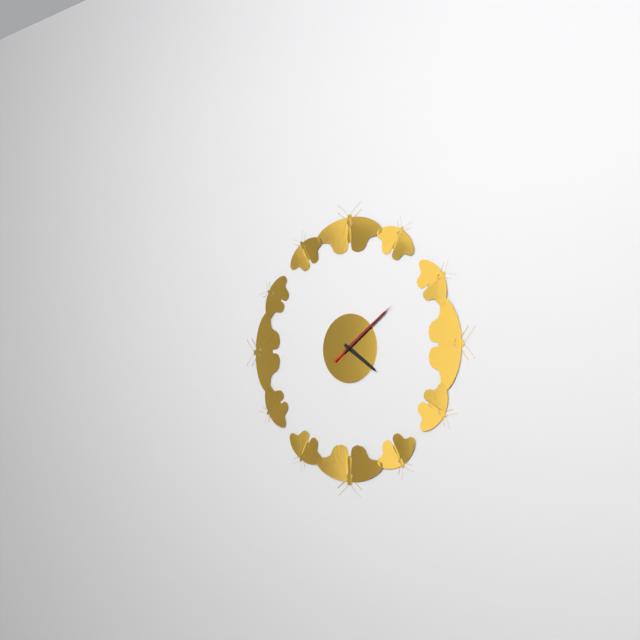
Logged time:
4h09m09s
